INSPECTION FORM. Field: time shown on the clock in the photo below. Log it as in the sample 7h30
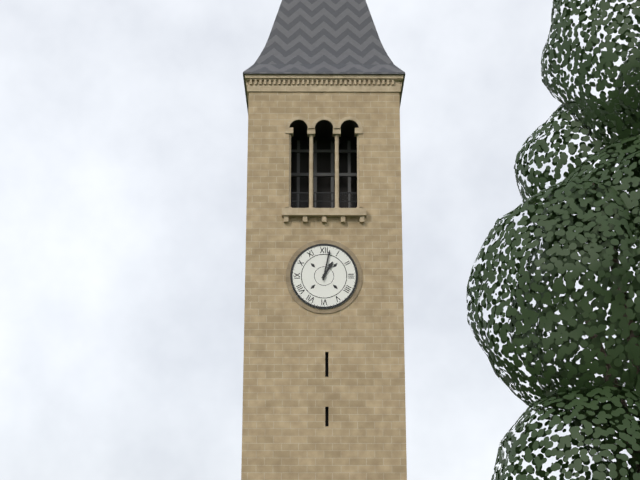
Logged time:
1h02
